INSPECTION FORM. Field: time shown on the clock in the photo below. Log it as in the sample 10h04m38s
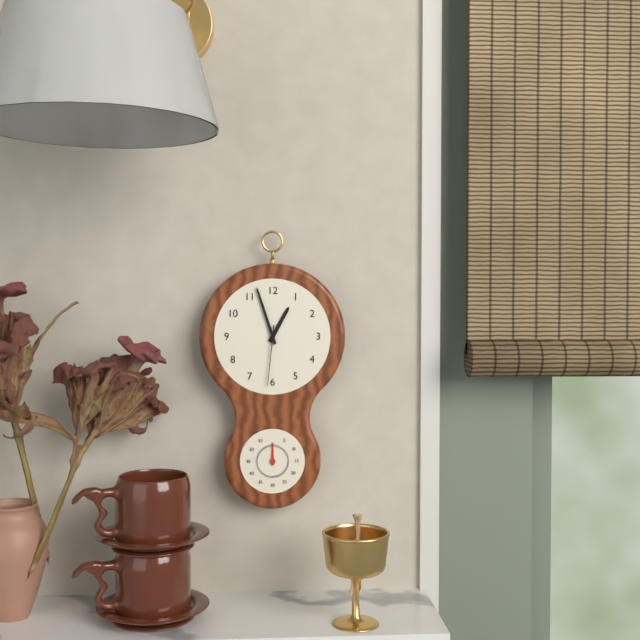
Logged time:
12h57m31s
